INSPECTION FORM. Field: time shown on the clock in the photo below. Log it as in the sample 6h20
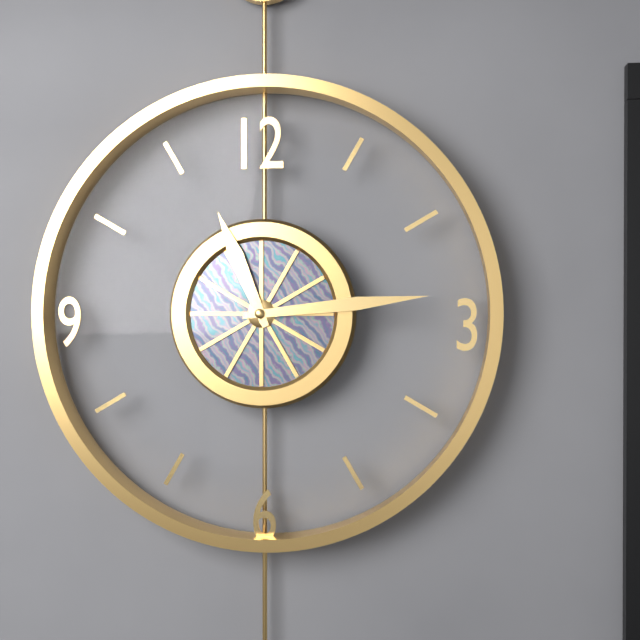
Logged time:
11h14
